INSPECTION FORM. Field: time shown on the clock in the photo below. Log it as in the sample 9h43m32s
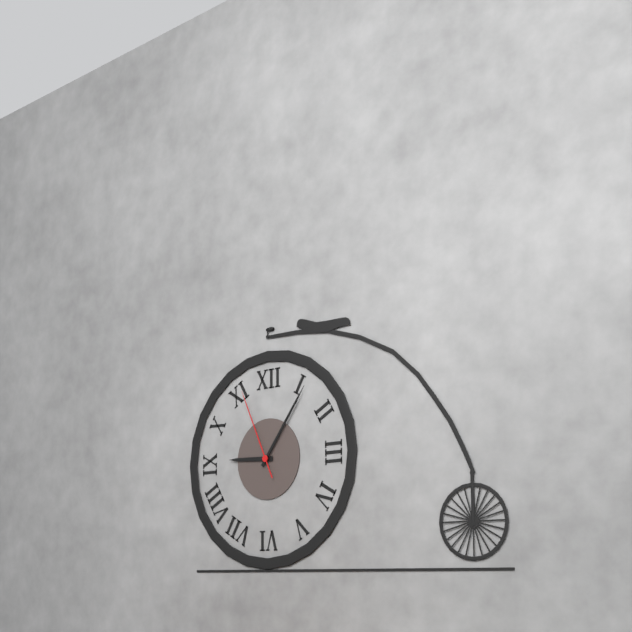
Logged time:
9h06m56s
